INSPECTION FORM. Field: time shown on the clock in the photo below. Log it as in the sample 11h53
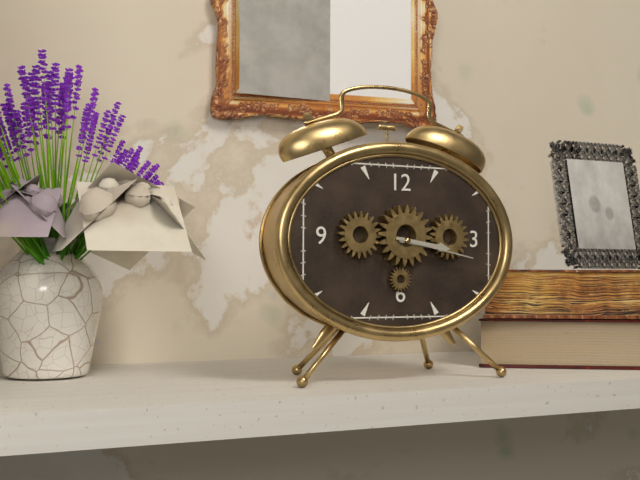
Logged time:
3h17
